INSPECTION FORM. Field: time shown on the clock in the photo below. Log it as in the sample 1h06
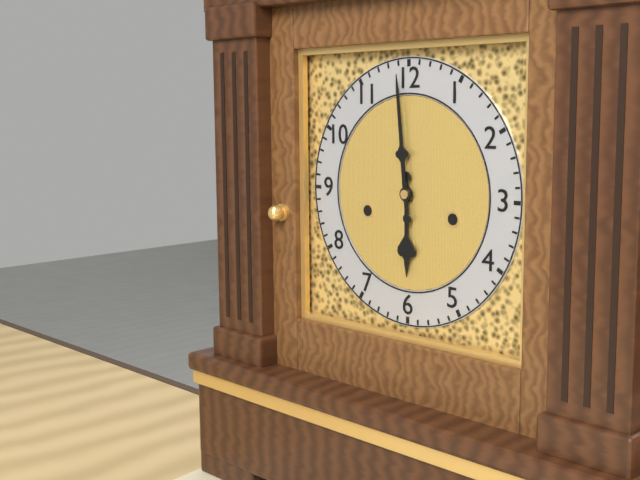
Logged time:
5h59
